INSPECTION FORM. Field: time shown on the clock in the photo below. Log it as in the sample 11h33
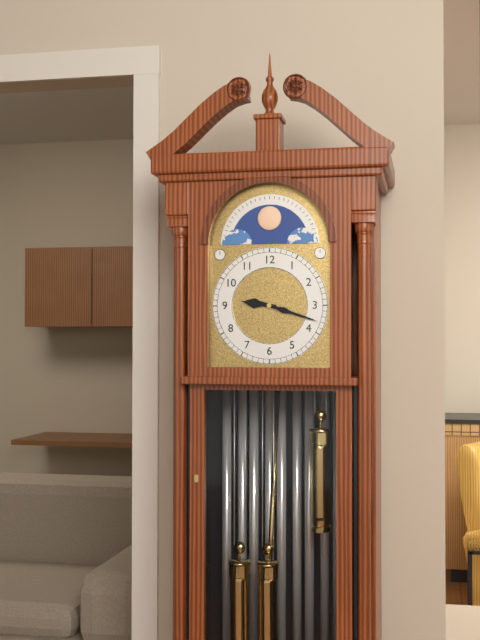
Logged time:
9h18
